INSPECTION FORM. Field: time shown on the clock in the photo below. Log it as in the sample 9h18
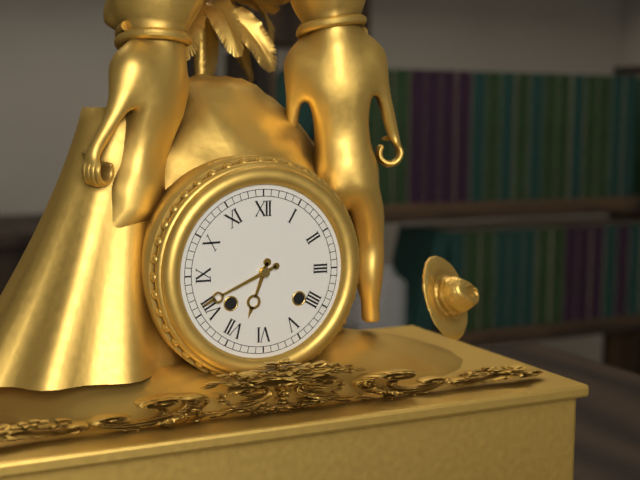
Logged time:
6h41
